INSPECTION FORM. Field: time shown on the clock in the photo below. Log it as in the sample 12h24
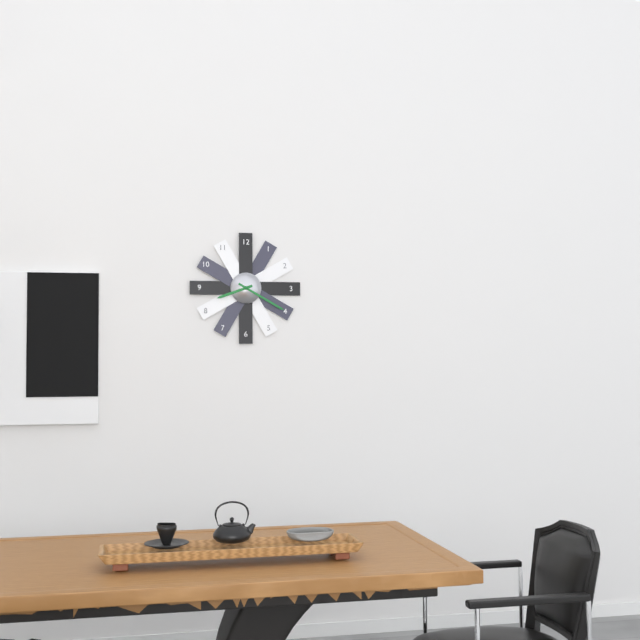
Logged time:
8h20
